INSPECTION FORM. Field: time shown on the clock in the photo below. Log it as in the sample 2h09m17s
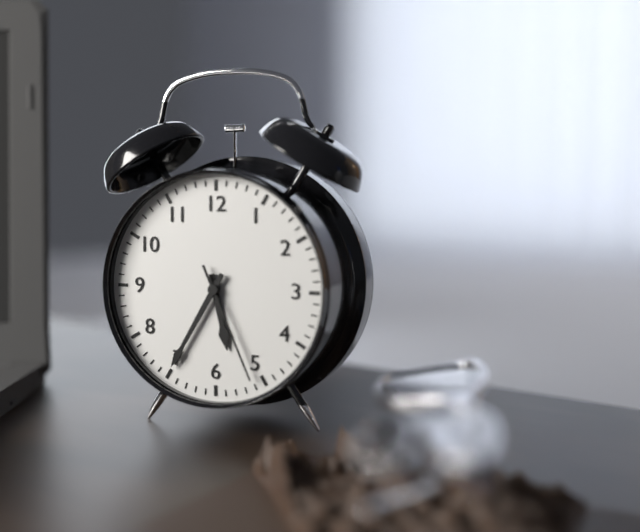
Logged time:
5h35m26s
